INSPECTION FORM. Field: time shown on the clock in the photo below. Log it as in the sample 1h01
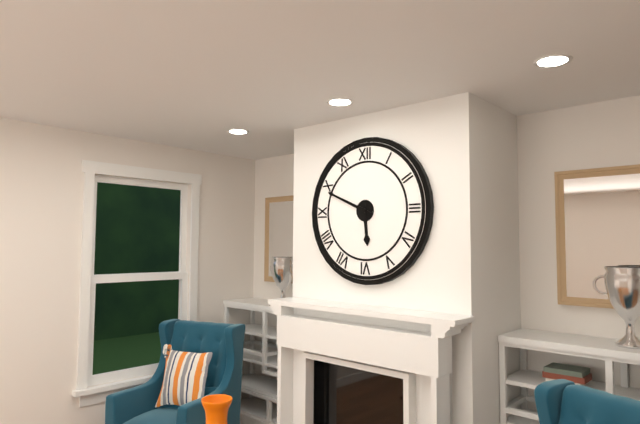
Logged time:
5h49
